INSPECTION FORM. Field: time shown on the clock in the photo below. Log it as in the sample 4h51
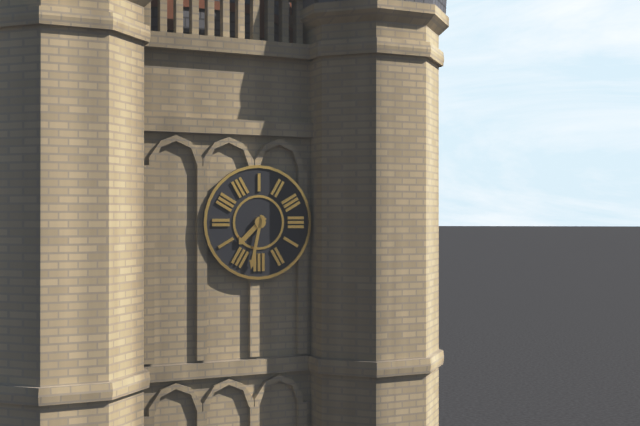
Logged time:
7h32
